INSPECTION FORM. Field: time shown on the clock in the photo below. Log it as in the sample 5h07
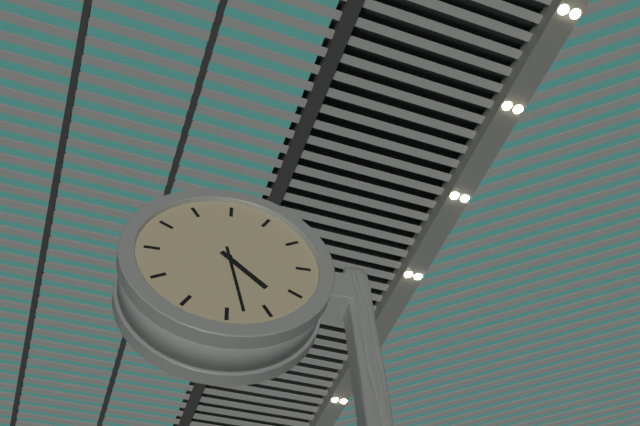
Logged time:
4h28
